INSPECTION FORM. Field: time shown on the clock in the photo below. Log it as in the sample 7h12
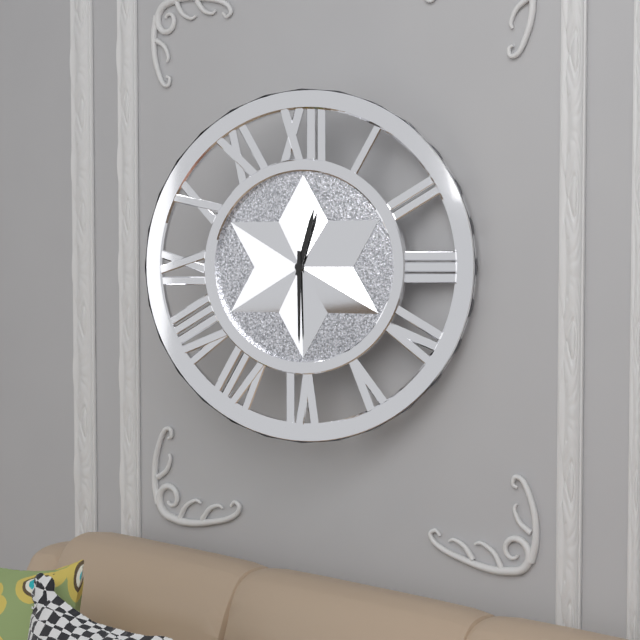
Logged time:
12h30
